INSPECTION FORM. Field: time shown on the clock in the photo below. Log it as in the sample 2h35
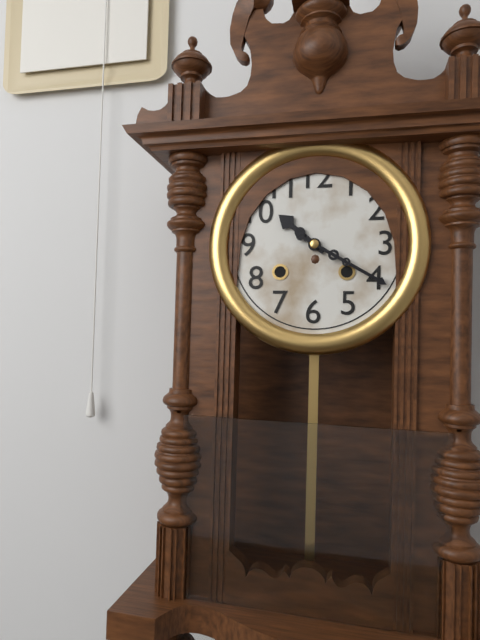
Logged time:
10h20
